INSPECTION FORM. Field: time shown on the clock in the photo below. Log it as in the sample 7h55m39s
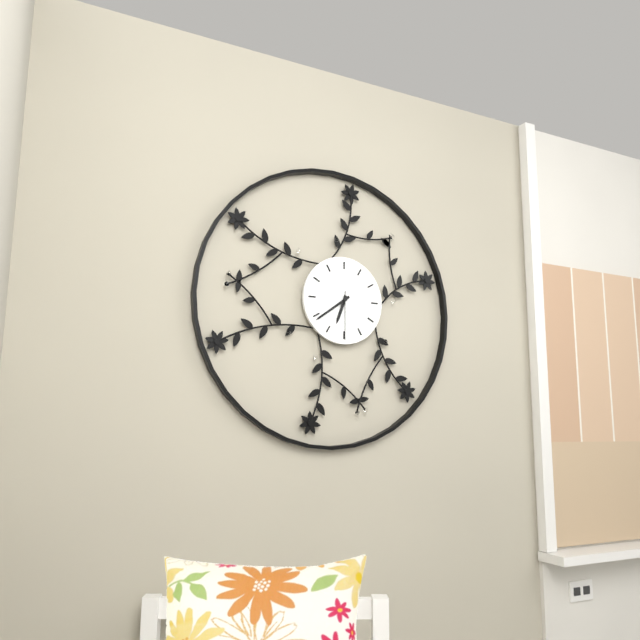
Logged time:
6h39m30s
